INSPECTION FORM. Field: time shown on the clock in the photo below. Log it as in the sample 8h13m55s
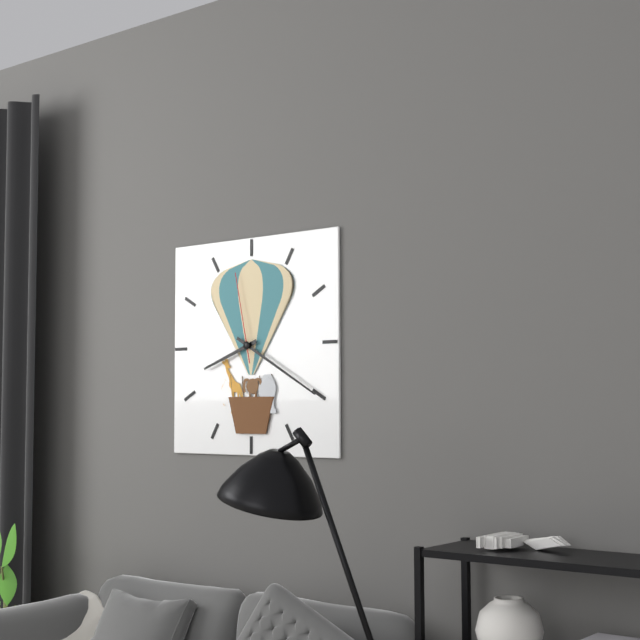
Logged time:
8h20m58s
